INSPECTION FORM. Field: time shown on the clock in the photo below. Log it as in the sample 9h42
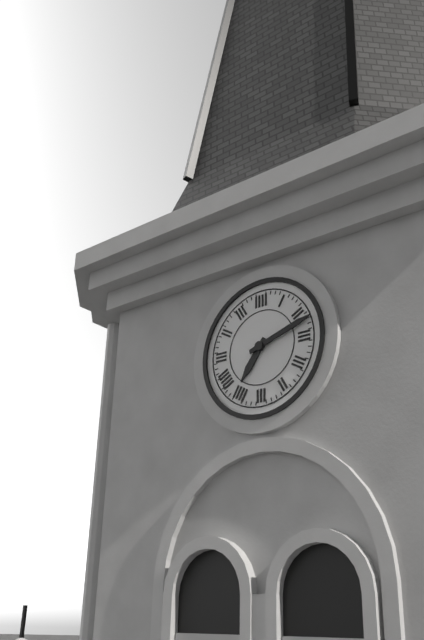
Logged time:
7h12
